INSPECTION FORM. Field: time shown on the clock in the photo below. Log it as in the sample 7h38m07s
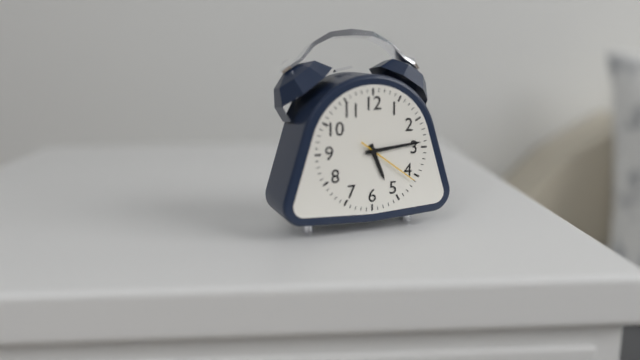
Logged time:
5h14m21s
